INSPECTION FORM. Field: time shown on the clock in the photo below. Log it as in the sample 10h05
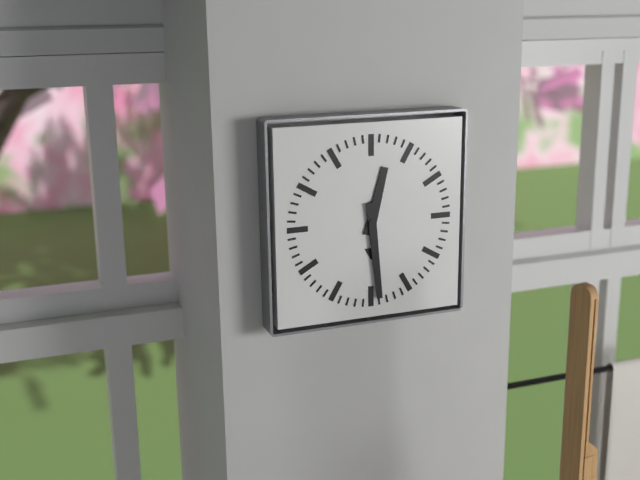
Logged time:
12h29
